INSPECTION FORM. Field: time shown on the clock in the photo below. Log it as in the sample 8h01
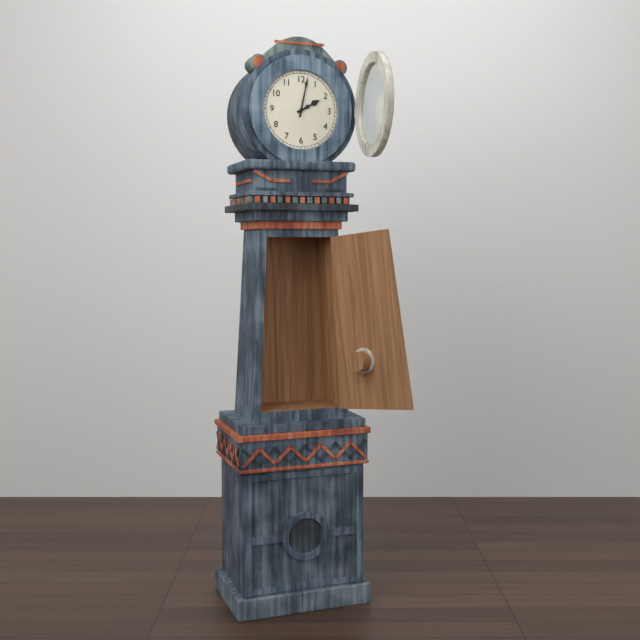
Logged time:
2h02
